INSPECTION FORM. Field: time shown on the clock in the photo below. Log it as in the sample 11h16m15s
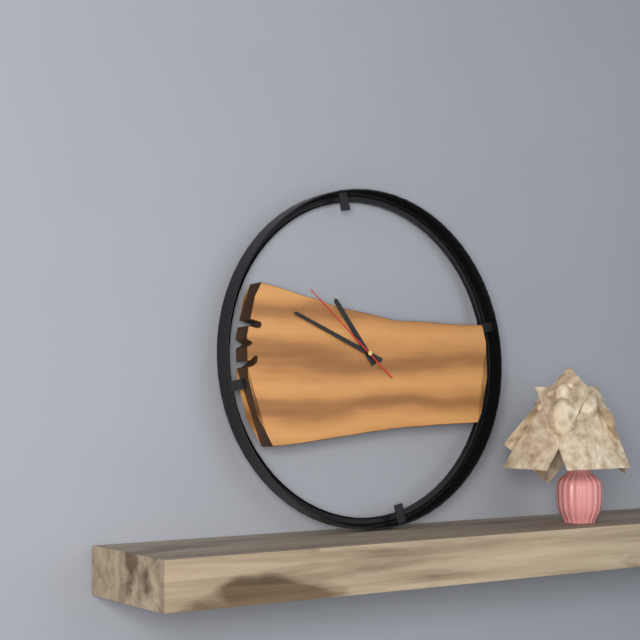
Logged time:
10h49m52s
